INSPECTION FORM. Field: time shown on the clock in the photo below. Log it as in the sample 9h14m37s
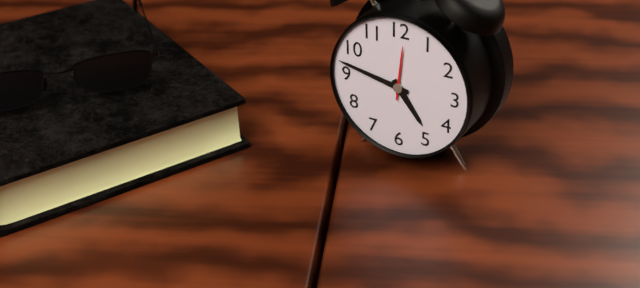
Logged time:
4h47m01s
